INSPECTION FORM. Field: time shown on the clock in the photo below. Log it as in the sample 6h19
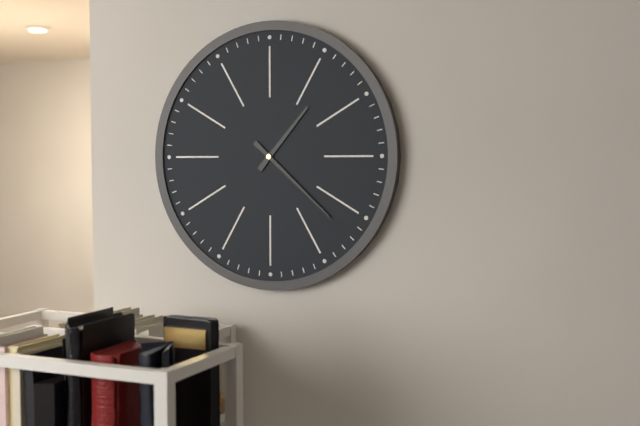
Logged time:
1h22
